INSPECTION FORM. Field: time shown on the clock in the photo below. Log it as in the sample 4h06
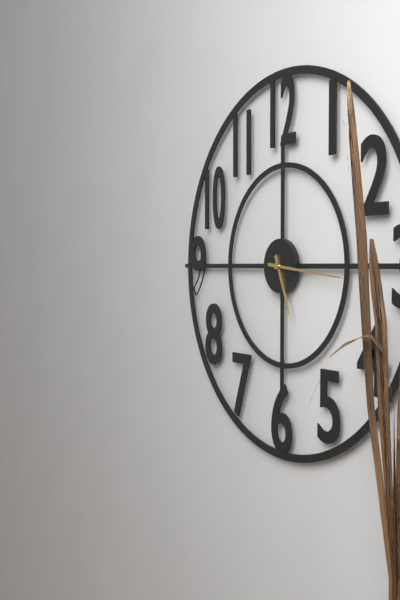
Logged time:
5h16
